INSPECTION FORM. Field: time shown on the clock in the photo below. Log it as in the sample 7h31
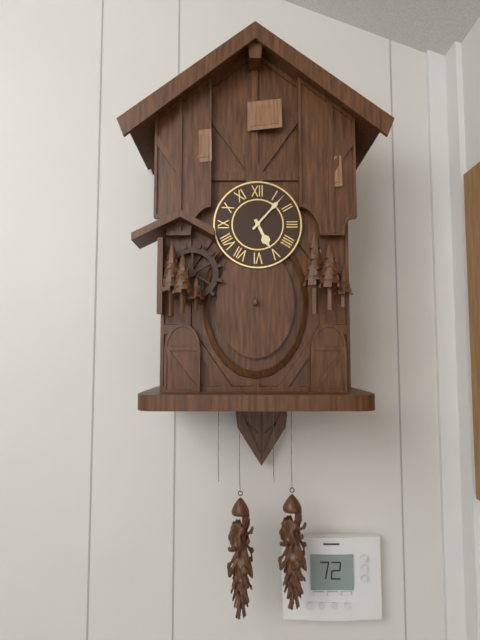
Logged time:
5h07
